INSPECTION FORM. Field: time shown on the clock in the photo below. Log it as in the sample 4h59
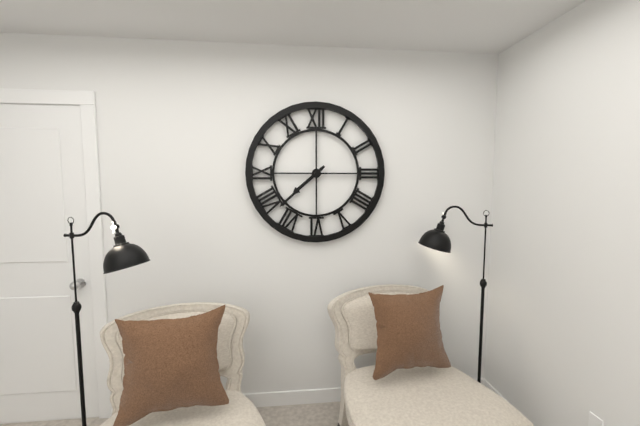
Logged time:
7h38
